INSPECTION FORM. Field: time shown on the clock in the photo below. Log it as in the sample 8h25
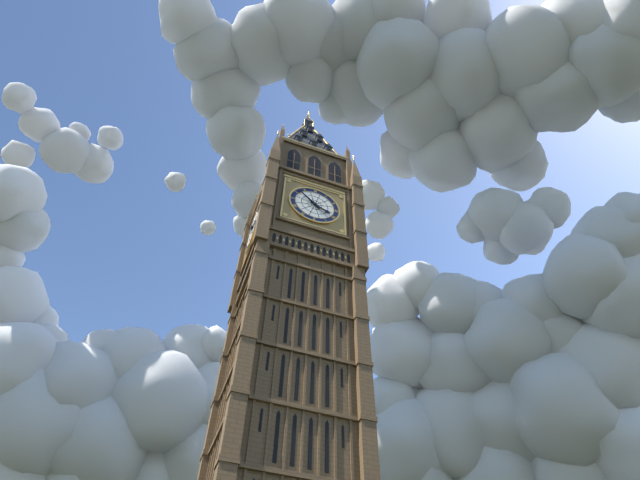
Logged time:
3h52
